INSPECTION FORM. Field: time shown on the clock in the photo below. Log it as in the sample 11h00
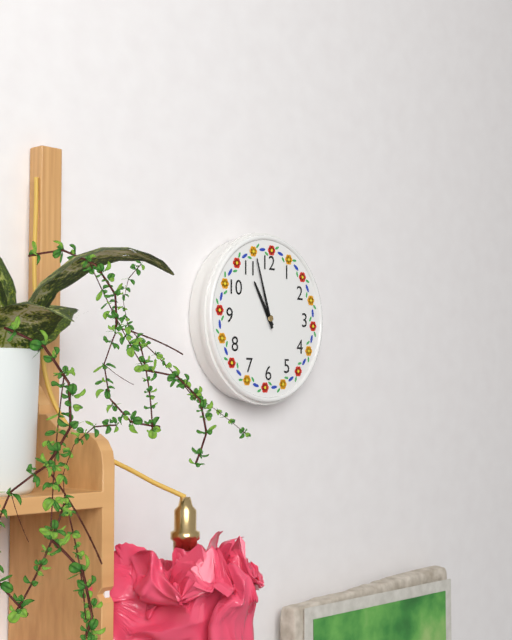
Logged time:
10h57
